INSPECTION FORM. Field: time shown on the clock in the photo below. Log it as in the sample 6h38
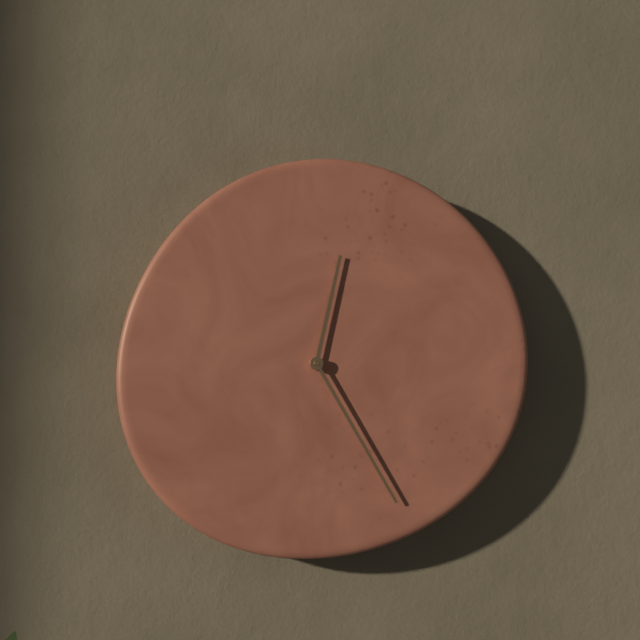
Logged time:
12h25
